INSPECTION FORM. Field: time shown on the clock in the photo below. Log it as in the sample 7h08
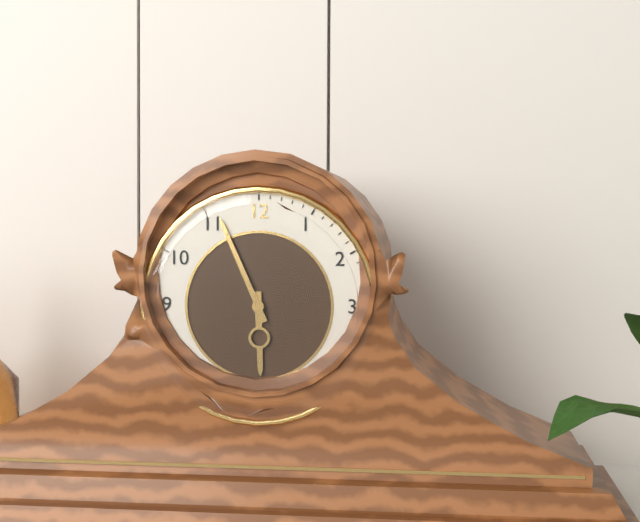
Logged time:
5h56
